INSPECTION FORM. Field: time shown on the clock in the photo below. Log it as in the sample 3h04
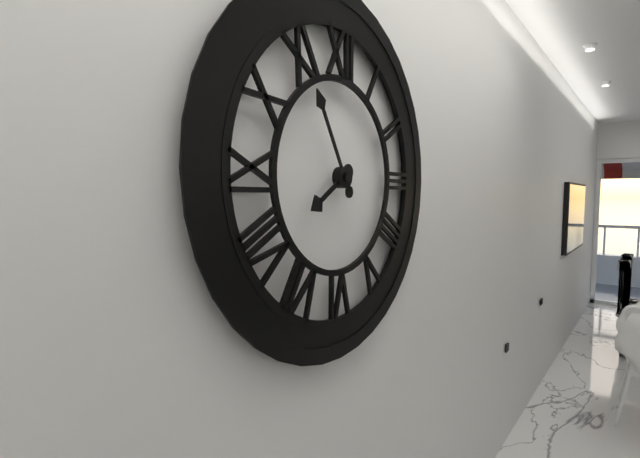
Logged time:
7h55
